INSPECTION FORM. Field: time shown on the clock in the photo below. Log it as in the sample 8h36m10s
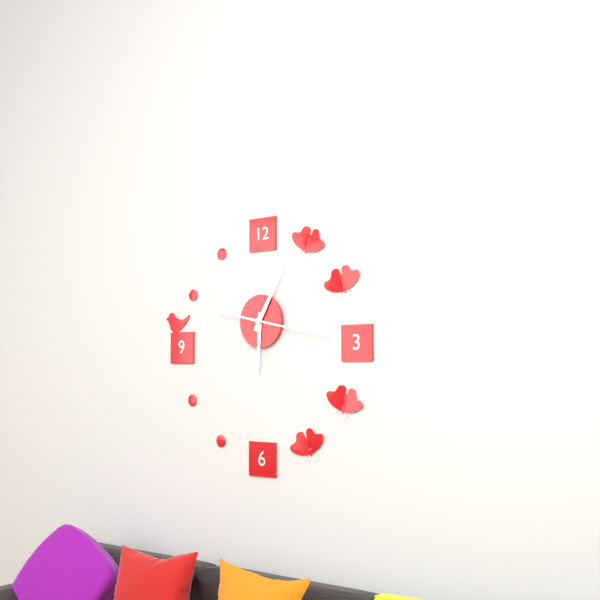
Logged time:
6h05m17s
